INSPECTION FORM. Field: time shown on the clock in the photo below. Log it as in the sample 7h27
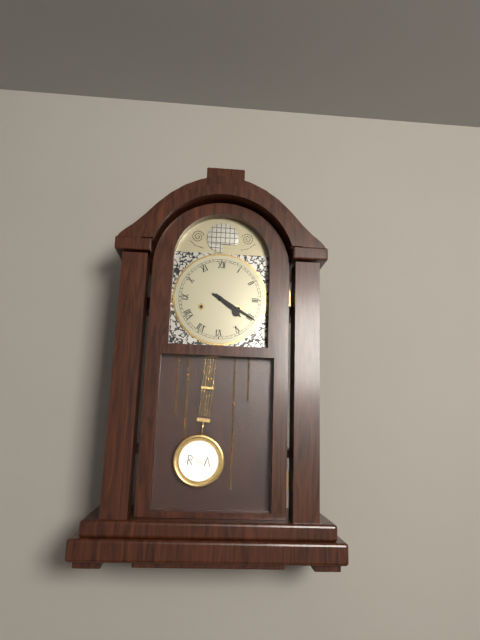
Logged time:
4h20
